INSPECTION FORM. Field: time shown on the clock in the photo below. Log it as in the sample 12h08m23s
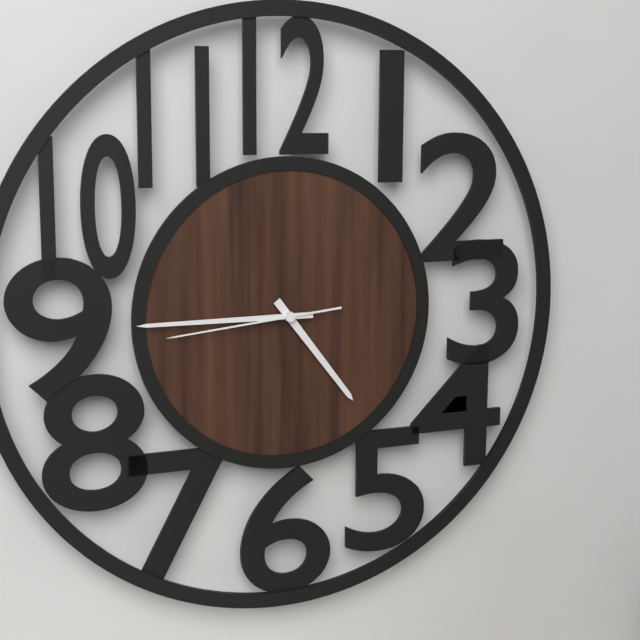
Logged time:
4h45m44s
